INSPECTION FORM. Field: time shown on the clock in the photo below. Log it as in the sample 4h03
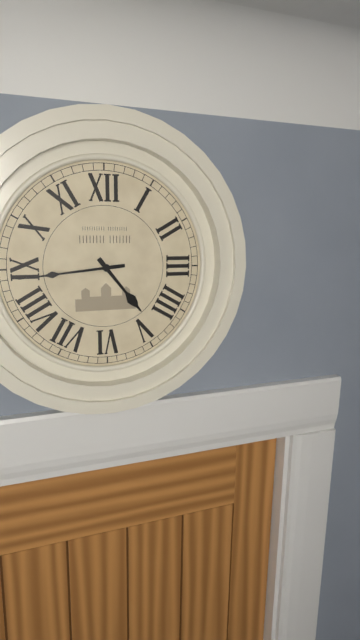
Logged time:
4h44
